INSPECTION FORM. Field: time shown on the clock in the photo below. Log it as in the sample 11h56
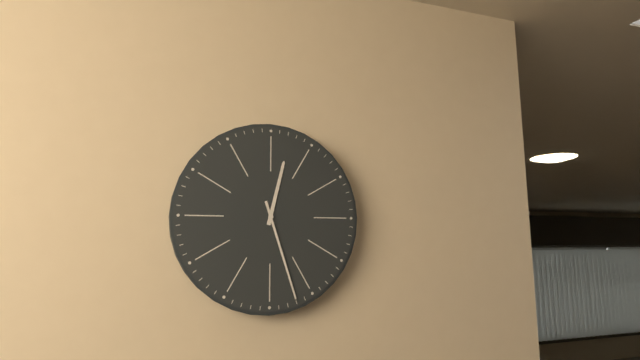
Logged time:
12h27
